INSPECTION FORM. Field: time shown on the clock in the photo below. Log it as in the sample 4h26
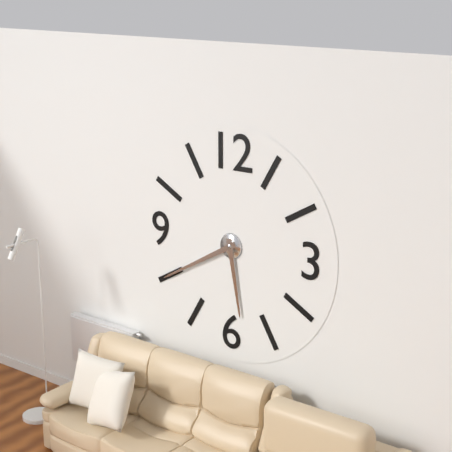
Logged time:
5h40
